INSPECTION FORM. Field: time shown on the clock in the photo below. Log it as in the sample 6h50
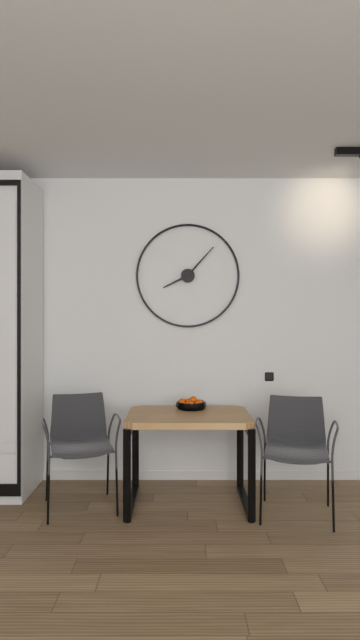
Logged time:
8h07
